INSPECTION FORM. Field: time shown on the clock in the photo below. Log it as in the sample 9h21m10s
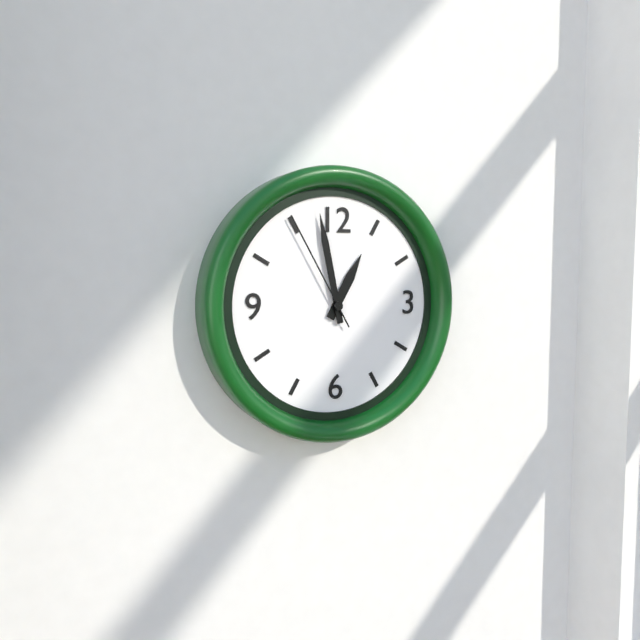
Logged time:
12h58m55s
